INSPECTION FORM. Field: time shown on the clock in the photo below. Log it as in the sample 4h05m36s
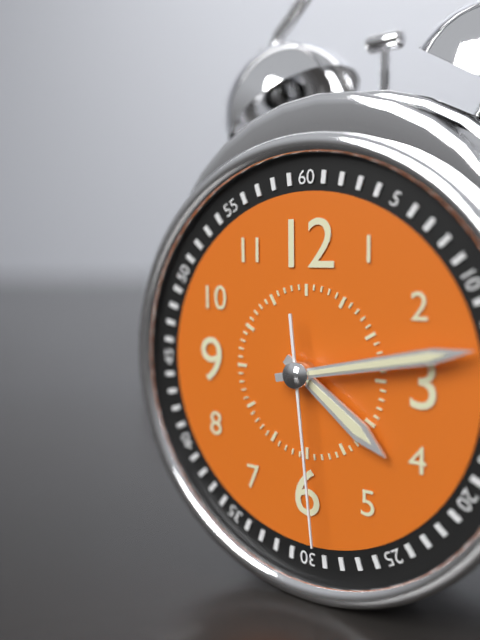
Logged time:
4h13m29s
